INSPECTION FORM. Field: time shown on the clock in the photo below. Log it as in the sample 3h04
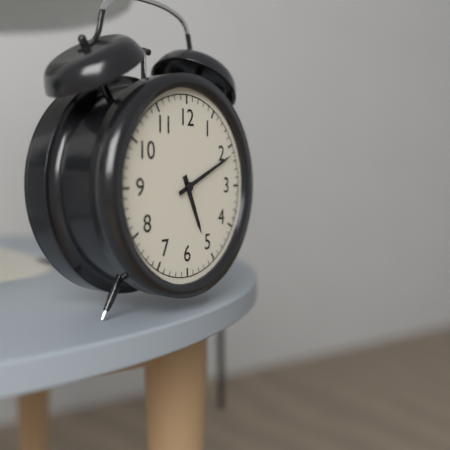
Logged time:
5h11
